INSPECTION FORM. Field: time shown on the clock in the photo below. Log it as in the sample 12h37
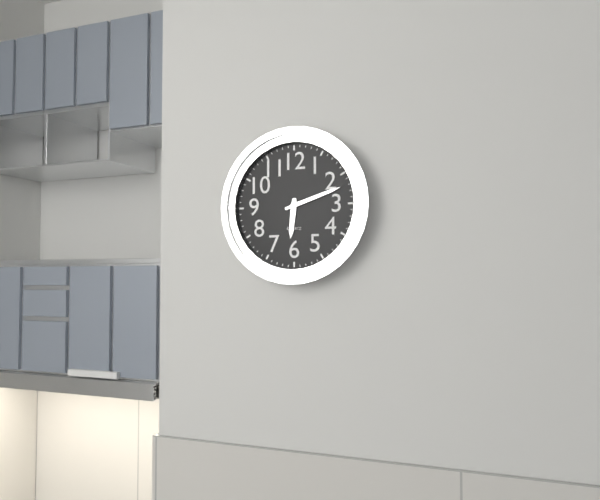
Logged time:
6h12
